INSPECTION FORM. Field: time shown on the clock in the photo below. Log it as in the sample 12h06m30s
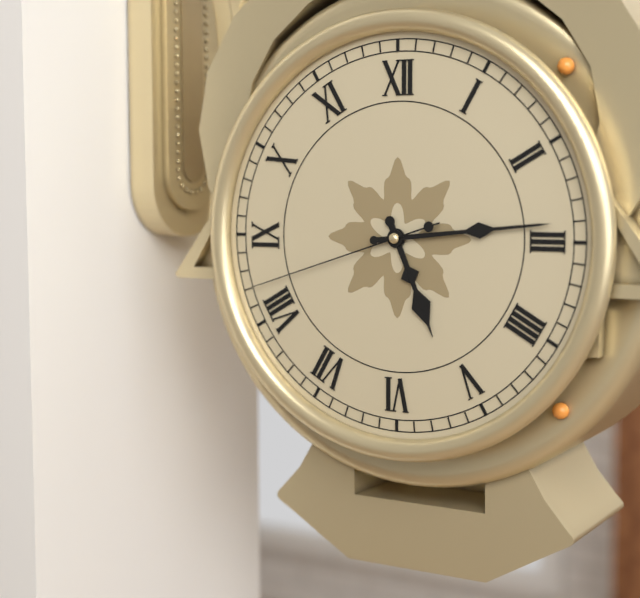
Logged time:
5h14m42s
